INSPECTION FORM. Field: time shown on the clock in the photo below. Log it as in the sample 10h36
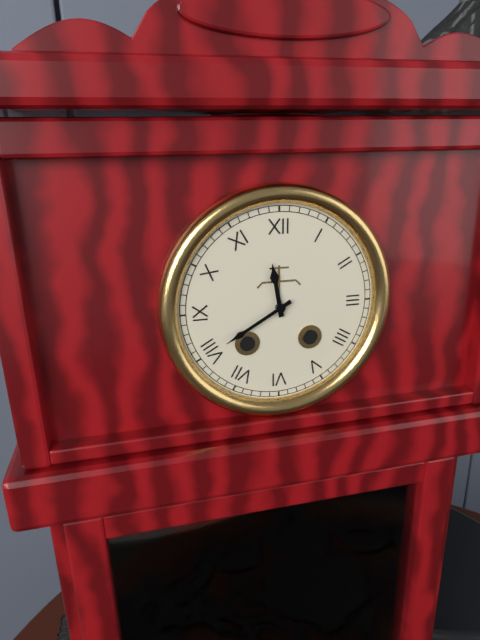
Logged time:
11h40
